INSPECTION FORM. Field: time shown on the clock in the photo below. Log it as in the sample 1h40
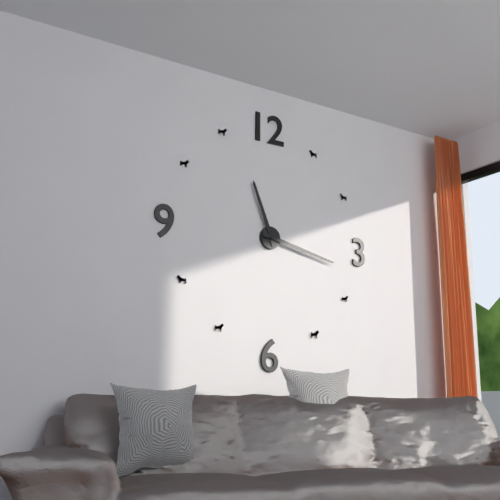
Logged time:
11h17
